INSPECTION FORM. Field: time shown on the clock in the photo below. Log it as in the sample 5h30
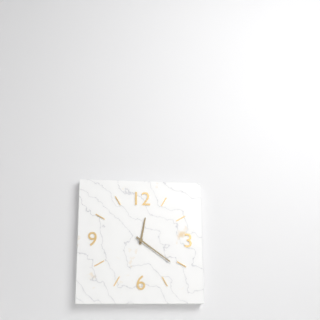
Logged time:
12h21
